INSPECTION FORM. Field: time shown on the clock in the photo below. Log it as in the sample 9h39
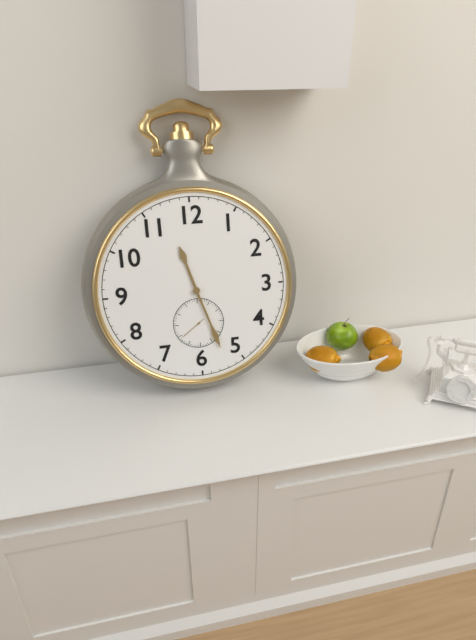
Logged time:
11h27
